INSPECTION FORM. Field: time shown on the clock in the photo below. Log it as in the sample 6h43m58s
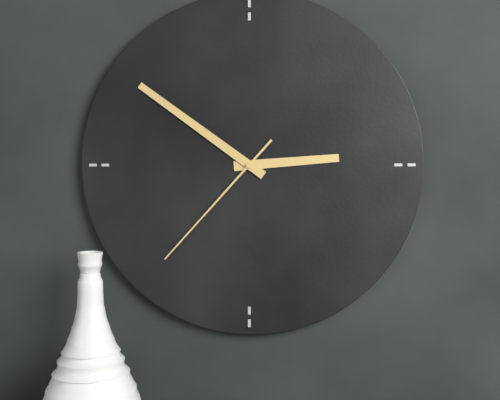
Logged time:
2h51m37s
